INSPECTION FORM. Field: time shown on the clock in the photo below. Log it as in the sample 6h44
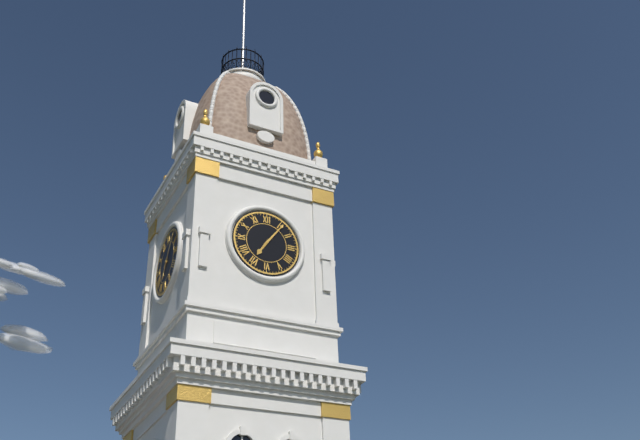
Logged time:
7h06
